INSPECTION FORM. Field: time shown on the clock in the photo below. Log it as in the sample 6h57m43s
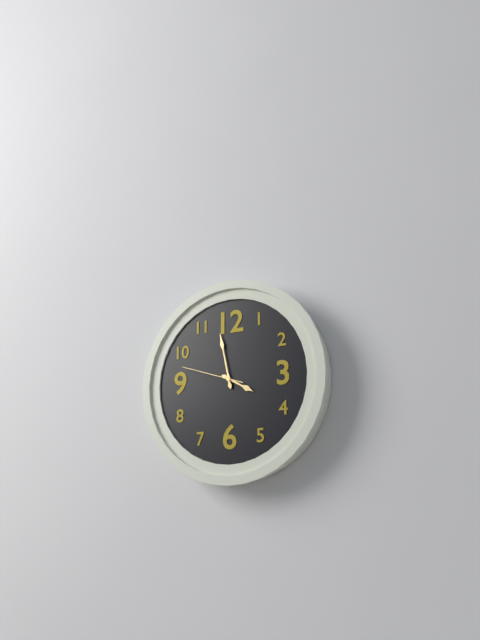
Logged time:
3h58m48s
